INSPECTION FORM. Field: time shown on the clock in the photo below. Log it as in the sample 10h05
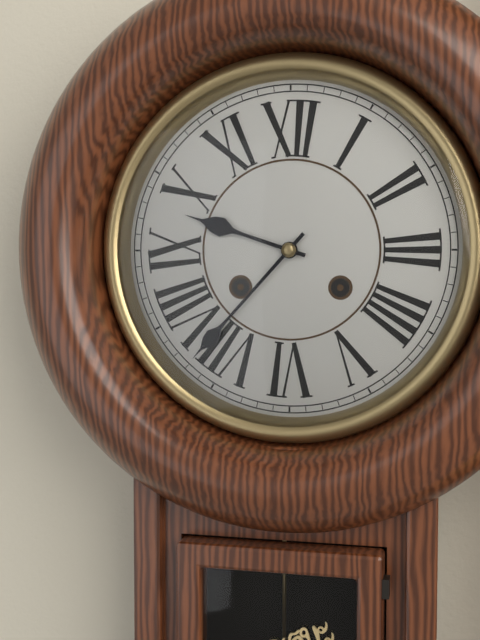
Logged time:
9h37
